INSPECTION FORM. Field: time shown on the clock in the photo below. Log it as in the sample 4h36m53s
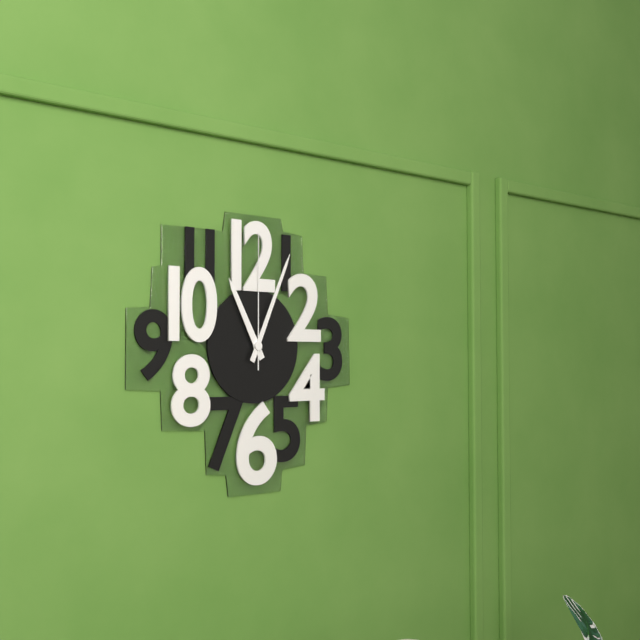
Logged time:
11h04m00s
